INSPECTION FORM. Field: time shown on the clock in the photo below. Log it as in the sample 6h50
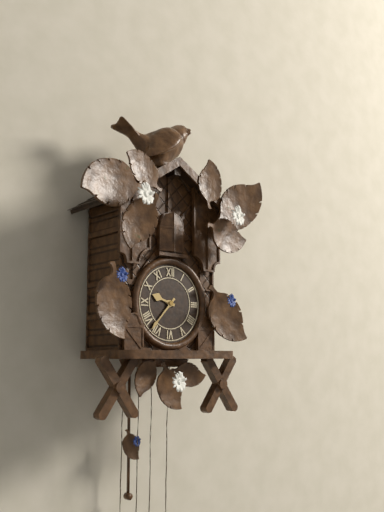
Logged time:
9h37
